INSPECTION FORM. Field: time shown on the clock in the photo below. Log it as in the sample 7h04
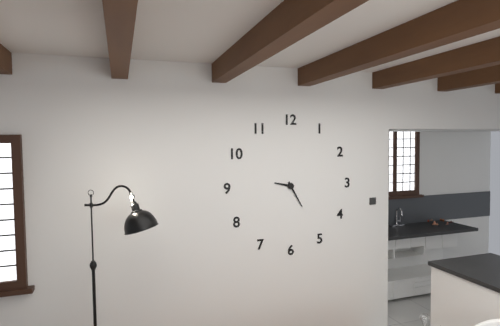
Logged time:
9h25
